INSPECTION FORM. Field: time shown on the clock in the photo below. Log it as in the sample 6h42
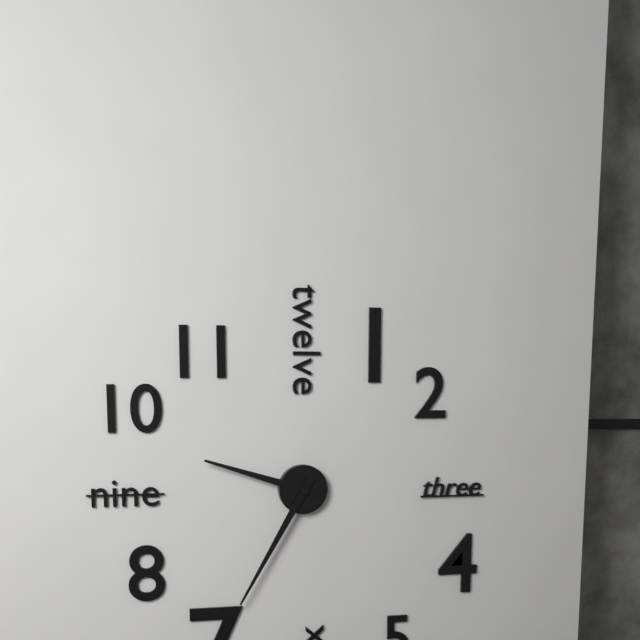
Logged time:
9h35
